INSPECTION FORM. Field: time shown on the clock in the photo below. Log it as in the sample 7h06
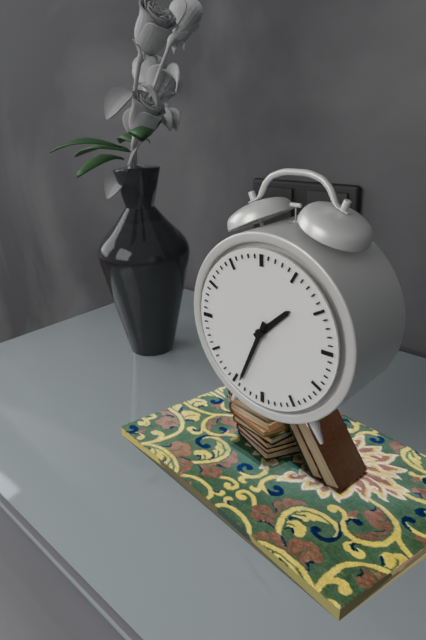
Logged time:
1h34
